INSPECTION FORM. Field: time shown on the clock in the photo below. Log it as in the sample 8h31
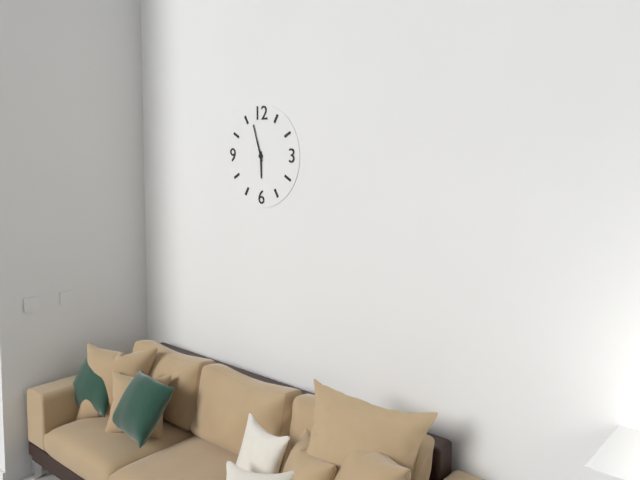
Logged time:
5h57
